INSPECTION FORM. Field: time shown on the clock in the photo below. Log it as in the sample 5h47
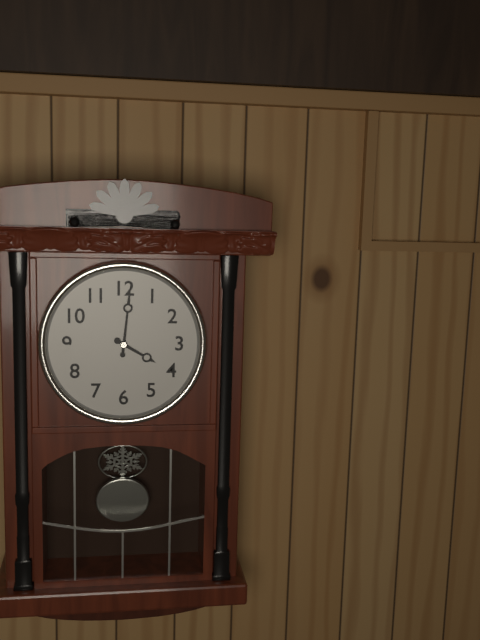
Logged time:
4h01
